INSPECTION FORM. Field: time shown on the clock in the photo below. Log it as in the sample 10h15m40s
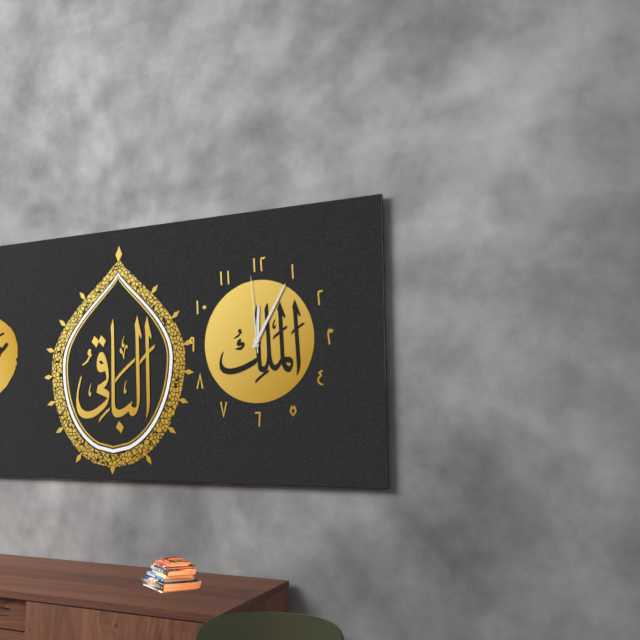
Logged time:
12h05m59s
